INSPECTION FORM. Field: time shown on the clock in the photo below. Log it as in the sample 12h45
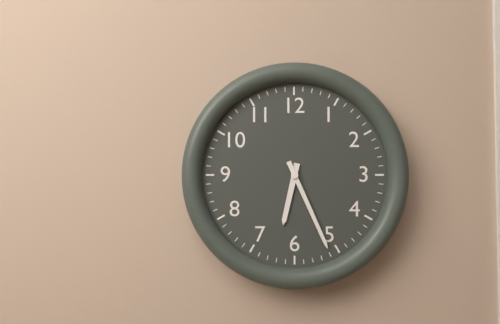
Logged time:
6h26
